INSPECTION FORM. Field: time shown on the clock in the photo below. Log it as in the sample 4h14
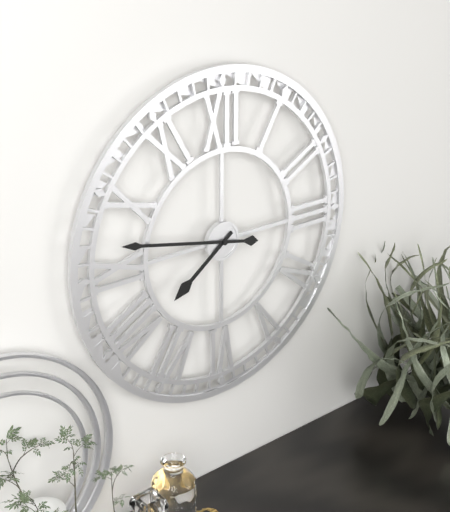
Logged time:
7h47
